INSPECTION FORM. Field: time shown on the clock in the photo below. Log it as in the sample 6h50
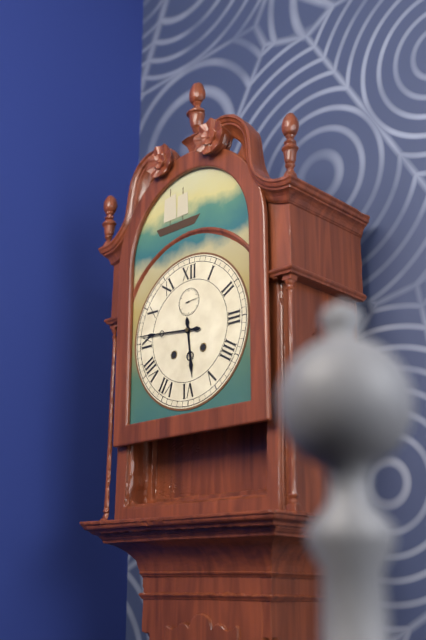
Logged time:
5h46
